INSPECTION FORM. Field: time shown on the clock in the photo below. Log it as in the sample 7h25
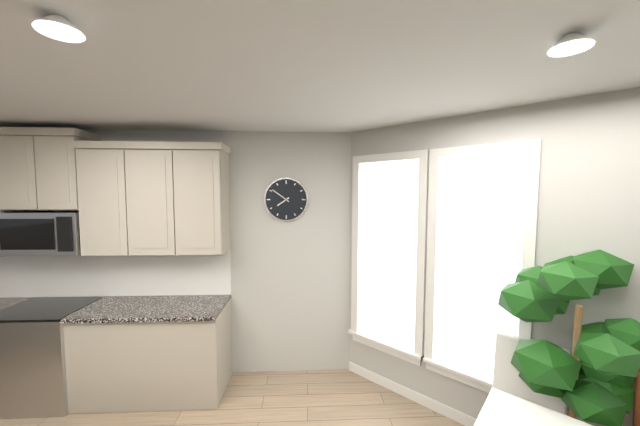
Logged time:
7h51
